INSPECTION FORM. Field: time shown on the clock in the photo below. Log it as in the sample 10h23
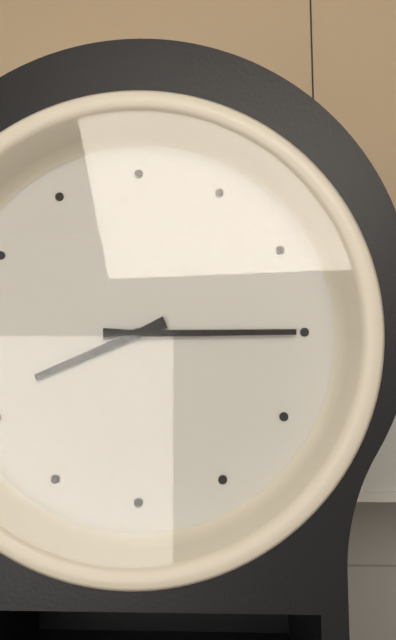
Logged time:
8h15
